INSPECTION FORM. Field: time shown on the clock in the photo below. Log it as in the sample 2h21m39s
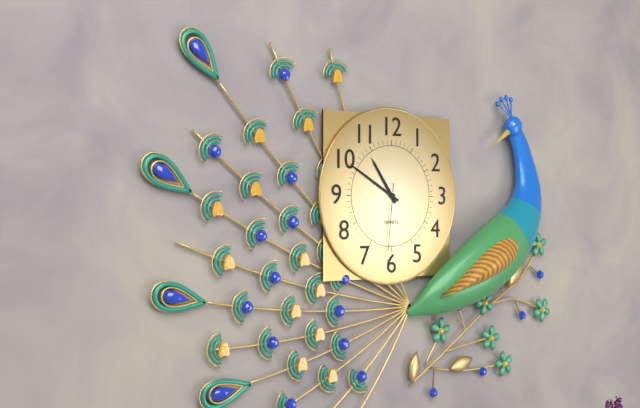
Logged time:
10h50m31s
